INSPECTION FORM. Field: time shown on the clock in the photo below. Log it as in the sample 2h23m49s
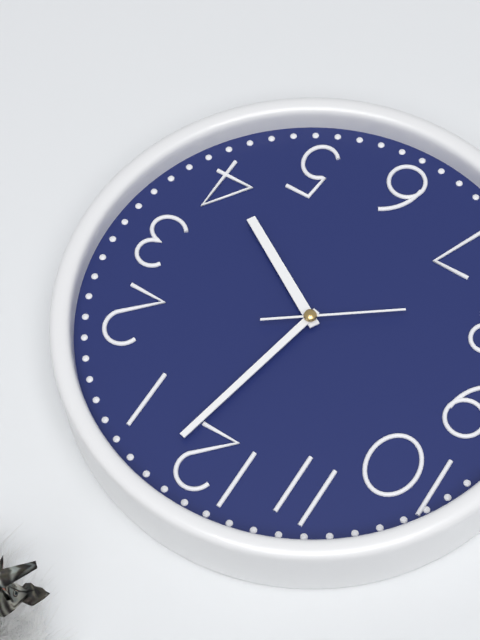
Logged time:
4h02m39s
